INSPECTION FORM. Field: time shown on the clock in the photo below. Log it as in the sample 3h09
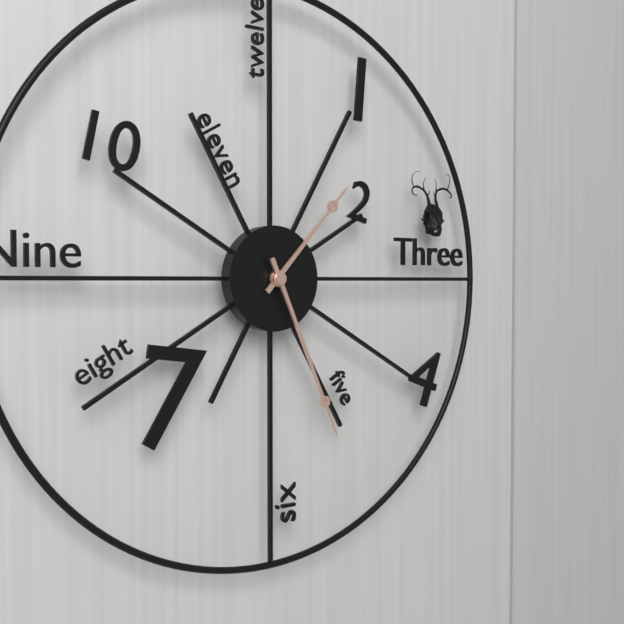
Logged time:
1h26
